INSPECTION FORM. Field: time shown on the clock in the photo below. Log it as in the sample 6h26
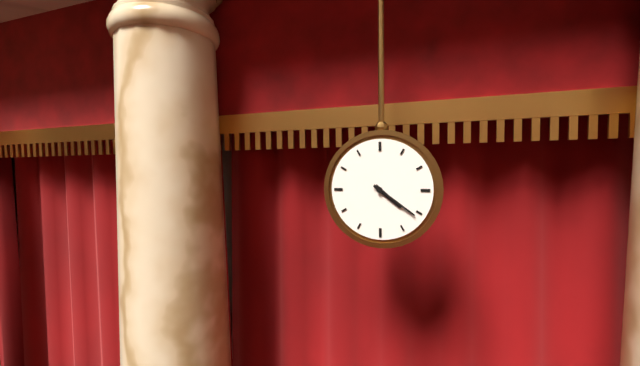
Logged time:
4h21
